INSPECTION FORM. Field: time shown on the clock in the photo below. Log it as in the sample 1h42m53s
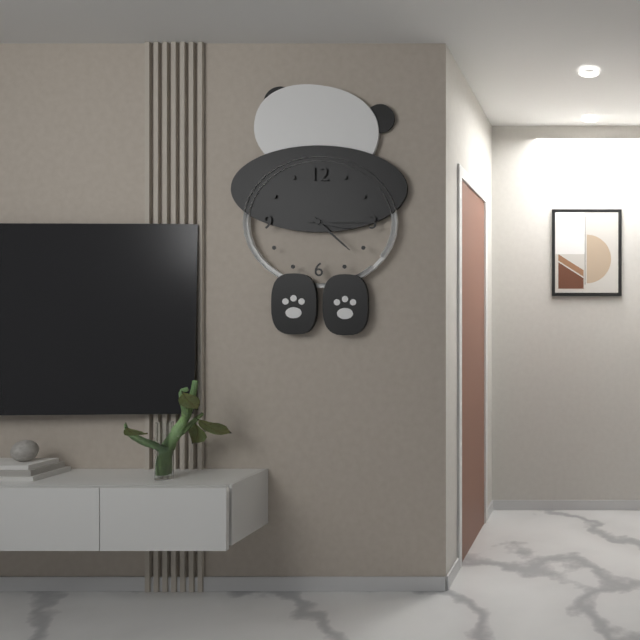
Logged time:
3h22m15s
